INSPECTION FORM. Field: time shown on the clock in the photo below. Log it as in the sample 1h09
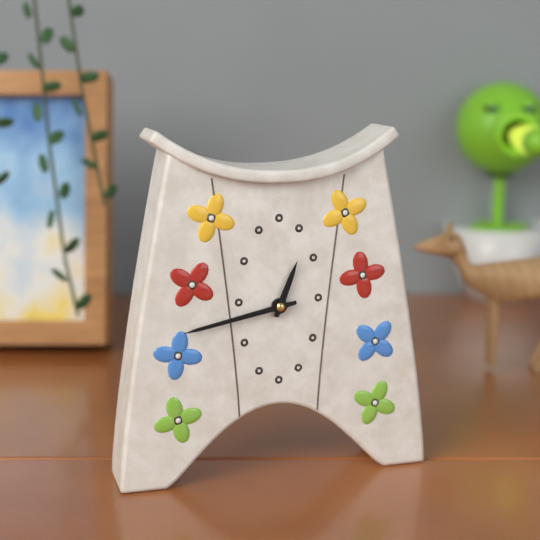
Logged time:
12h43
